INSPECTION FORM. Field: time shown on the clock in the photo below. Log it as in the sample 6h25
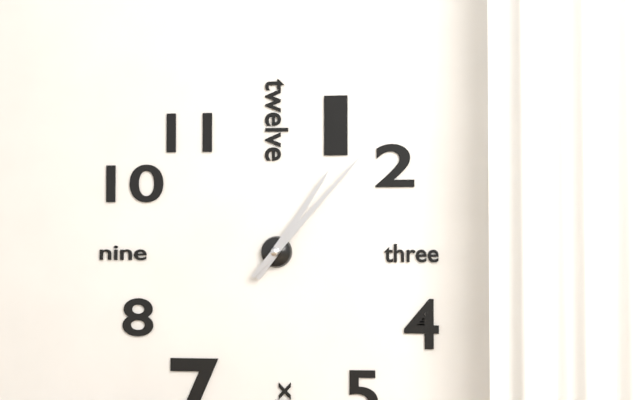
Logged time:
1h07
